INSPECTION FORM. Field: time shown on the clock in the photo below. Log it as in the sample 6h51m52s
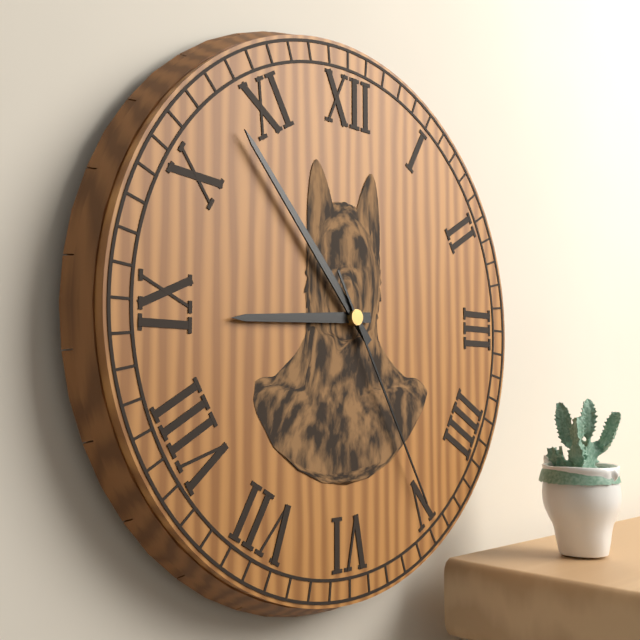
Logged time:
8h53m25s
